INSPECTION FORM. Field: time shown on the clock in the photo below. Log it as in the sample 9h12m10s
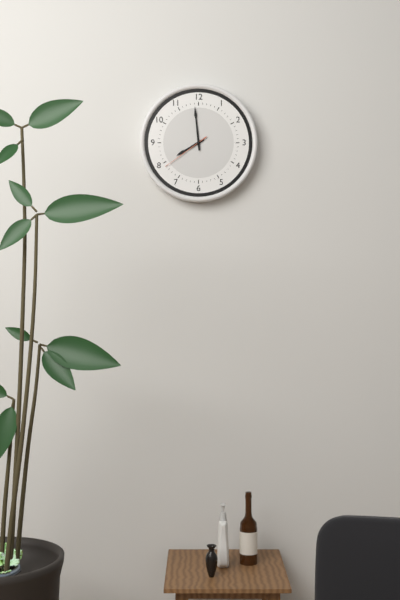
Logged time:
7h59m39s
